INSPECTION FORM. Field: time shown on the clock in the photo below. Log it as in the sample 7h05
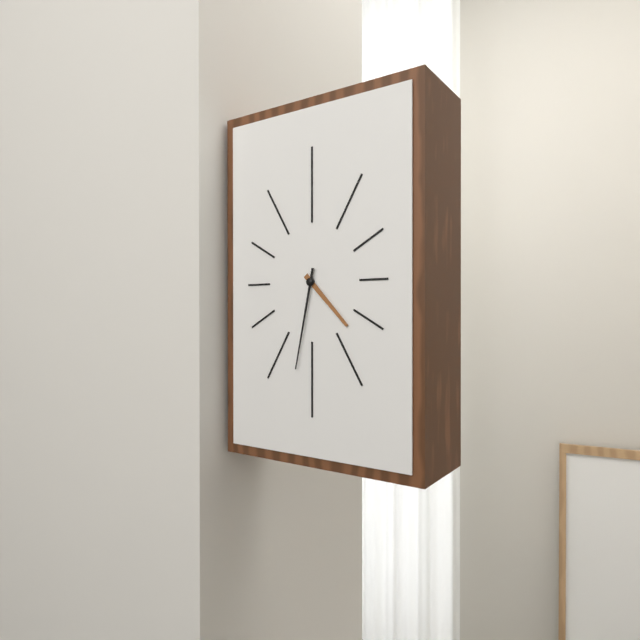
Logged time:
4h32
